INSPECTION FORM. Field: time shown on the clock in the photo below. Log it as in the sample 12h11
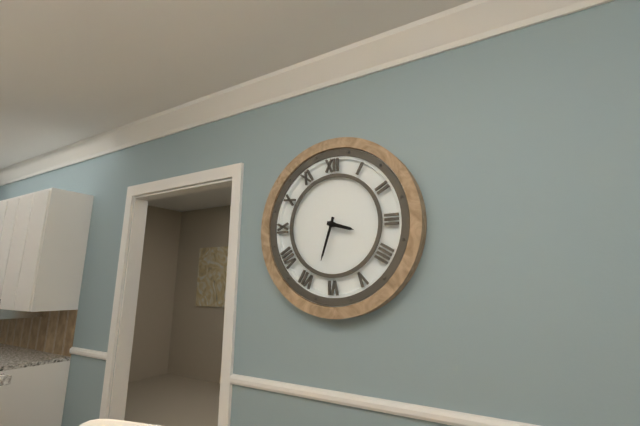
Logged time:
3h33
